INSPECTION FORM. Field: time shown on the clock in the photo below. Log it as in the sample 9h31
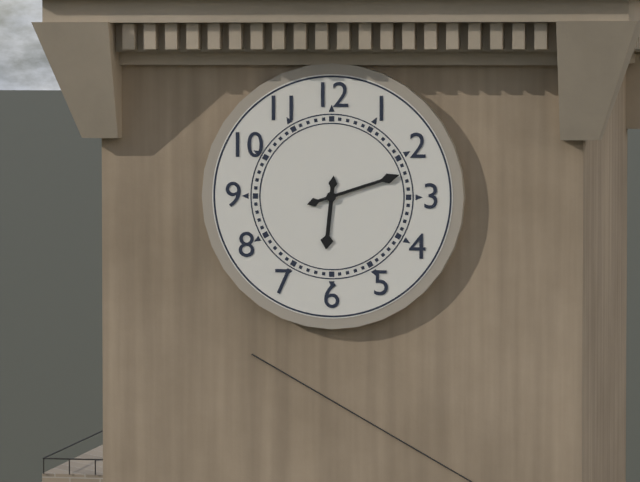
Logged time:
6h12
